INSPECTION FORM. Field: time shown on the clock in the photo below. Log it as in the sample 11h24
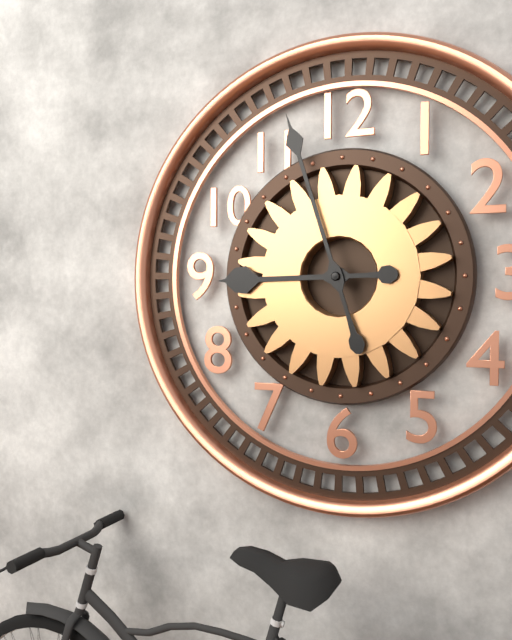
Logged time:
8h57
